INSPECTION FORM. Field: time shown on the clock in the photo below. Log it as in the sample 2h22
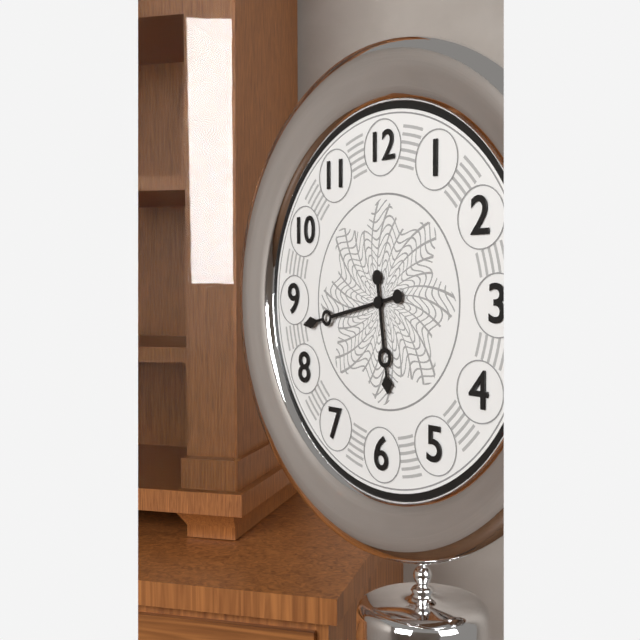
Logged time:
5h43
